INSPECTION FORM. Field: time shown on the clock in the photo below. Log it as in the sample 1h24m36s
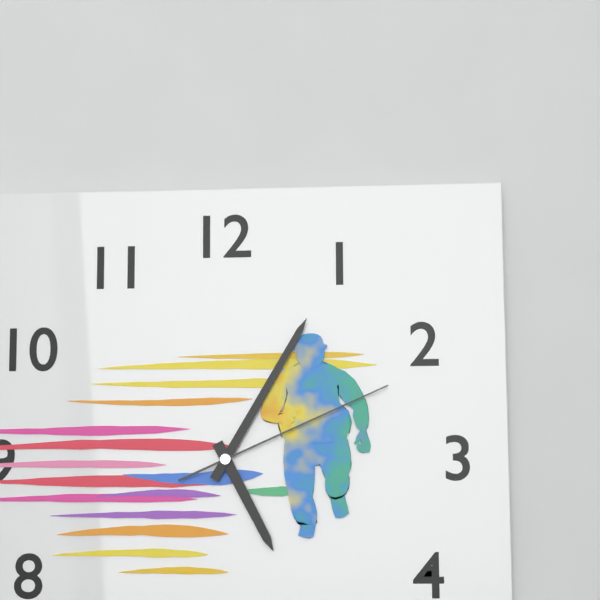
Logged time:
5h05m11s
